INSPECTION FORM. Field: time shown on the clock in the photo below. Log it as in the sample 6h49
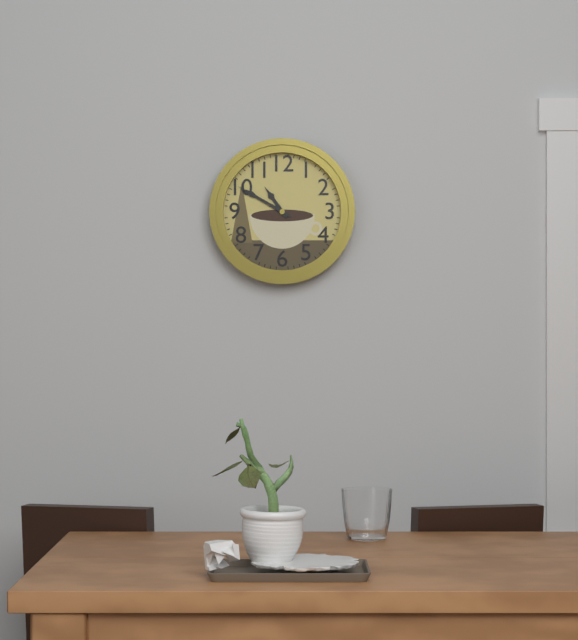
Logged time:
10h50
